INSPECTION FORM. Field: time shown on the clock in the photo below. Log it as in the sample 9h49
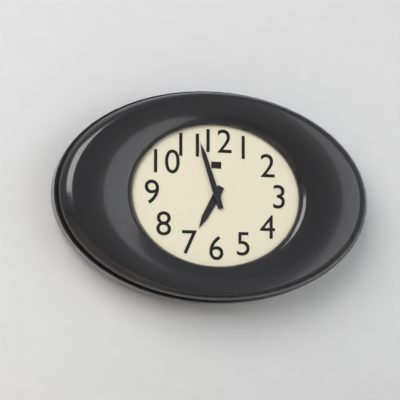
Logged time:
6h57
